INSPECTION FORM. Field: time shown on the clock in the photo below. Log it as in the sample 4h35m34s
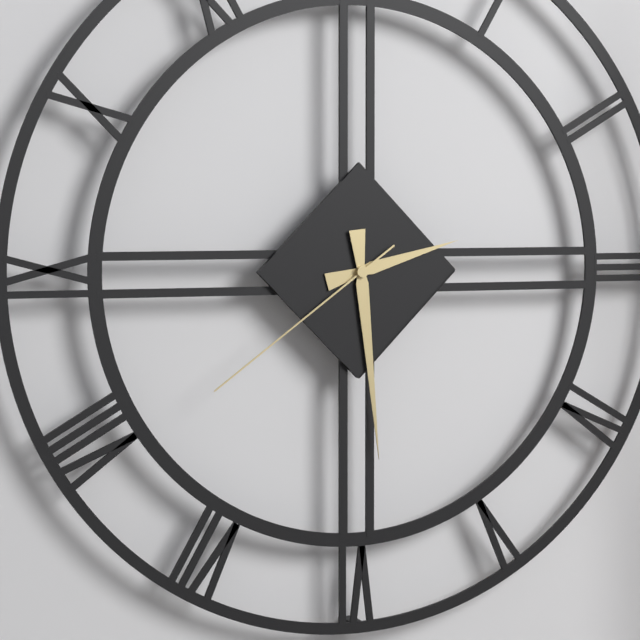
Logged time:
2h29m39s
